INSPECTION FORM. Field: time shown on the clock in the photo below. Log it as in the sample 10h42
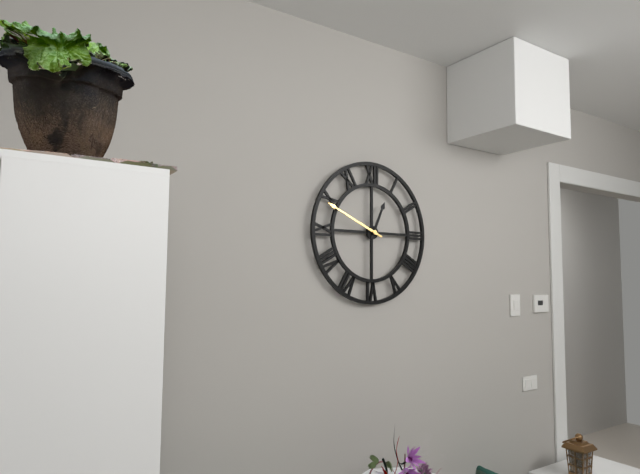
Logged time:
12h49
